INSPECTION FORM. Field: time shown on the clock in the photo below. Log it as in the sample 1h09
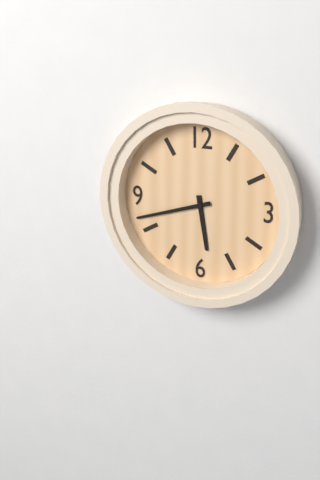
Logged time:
5h42
